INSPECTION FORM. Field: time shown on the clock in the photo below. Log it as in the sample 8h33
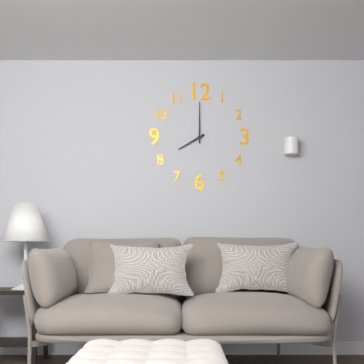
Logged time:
8h00
